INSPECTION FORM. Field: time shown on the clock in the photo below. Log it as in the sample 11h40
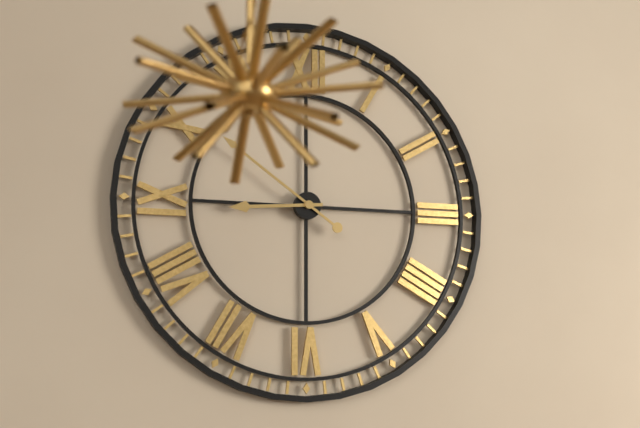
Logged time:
8h51
